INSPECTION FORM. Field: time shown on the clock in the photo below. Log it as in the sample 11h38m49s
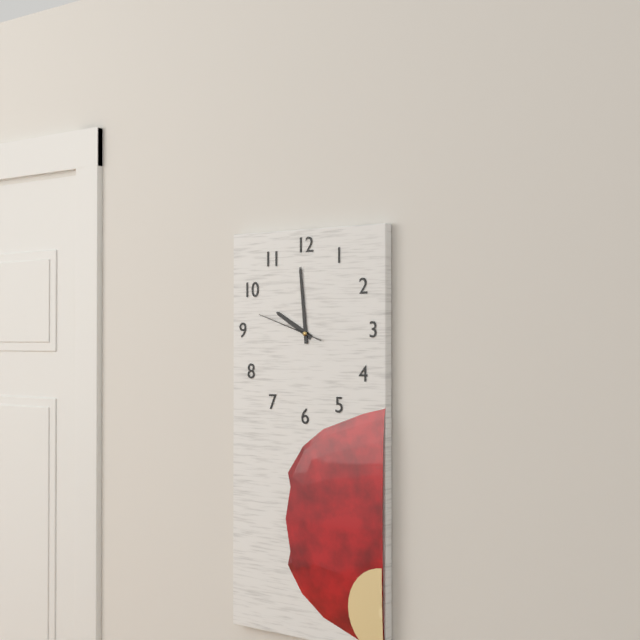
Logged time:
9h59m48s
